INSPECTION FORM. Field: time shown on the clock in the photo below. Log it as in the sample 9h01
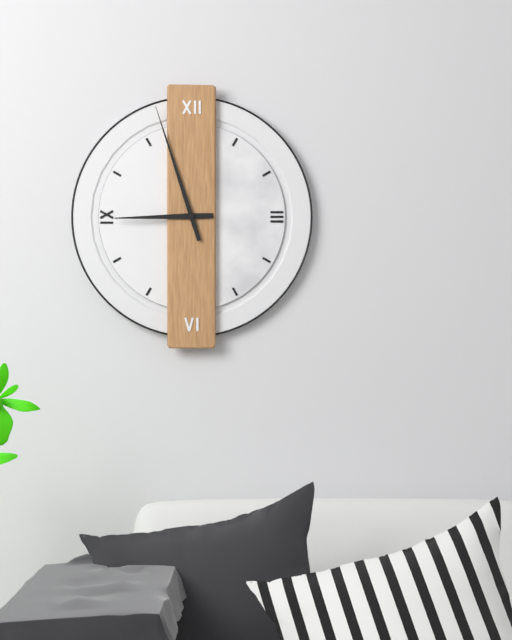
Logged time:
8h57
